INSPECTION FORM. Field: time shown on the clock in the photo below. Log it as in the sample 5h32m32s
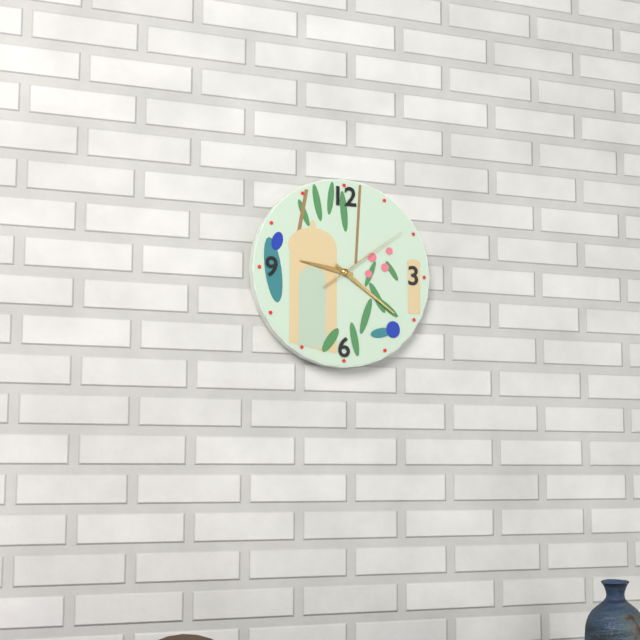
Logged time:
9h21m09s
